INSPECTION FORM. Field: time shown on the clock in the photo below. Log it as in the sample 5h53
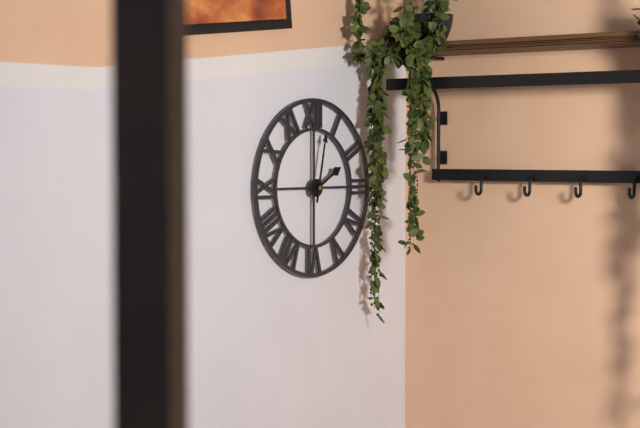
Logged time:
2h02
